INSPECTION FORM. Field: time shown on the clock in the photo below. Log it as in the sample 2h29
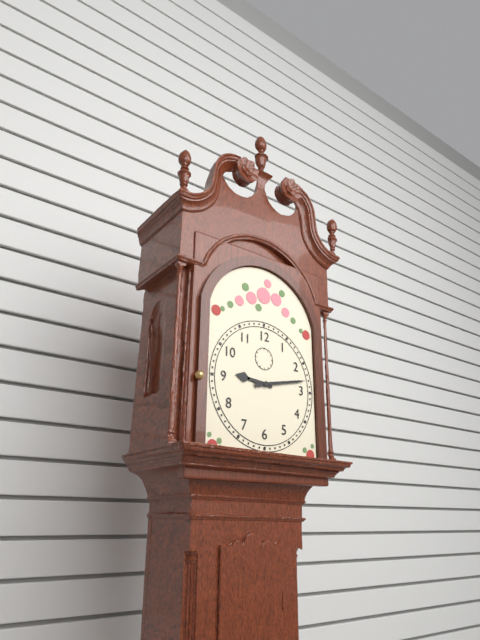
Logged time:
9h13
